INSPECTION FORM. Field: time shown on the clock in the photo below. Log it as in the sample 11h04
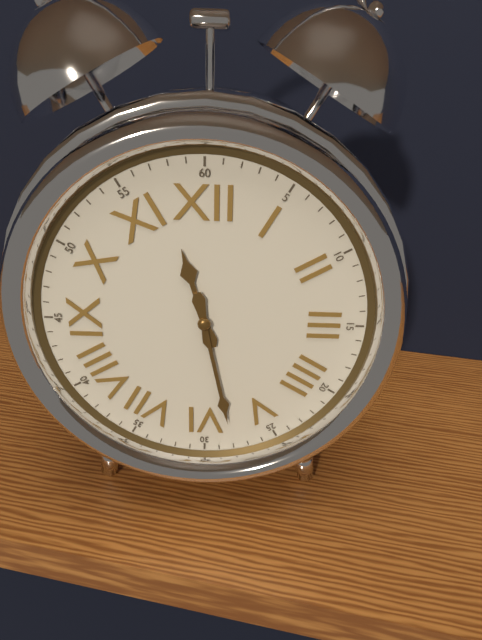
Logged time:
11h28
